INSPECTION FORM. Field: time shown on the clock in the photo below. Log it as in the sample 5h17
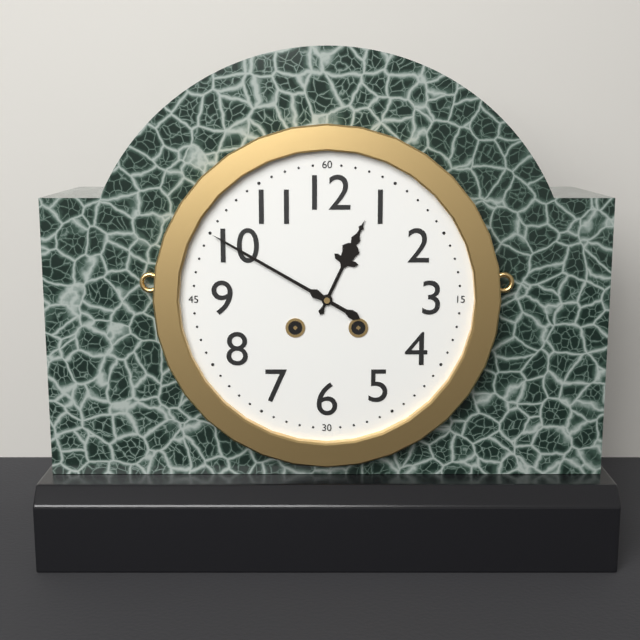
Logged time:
12h50
